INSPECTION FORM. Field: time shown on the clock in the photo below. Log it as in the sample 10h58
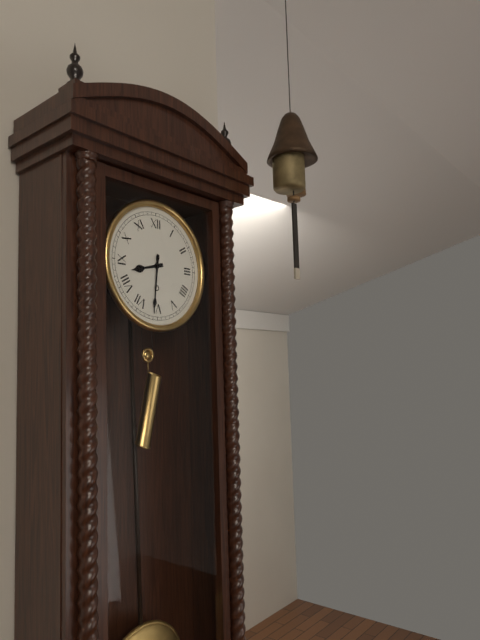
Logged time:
8h31
